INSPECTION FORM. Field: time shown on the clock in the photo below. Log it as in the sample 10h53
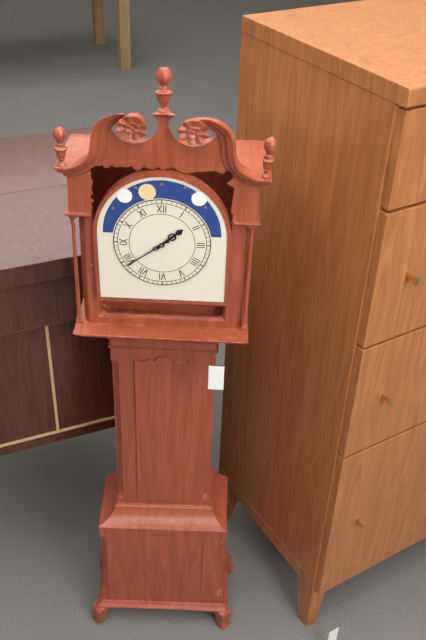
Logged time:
1h39
